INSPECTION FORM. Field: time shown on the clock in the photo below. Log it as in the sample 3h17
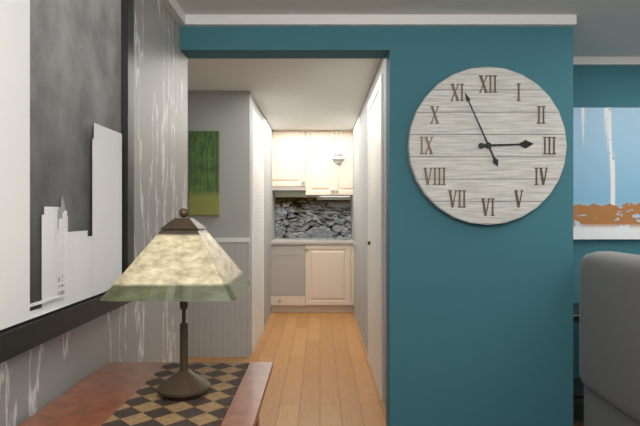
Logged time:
2h56
